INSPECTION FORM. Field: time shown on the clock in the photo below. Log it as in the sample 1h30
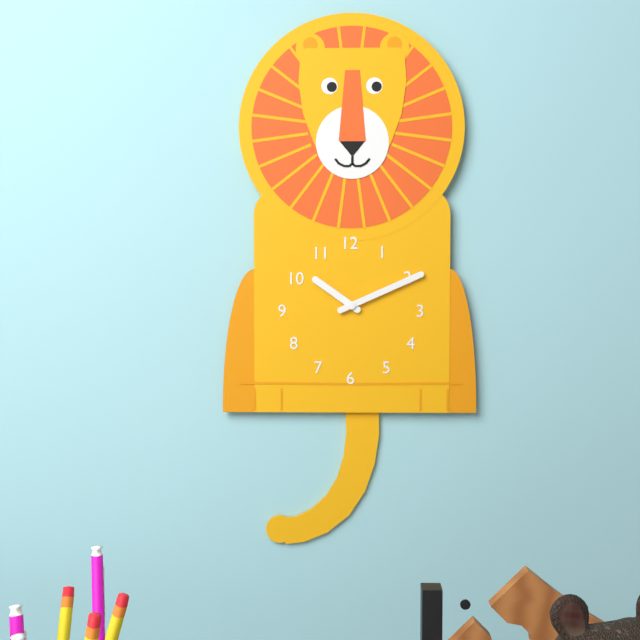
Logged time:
10h11
